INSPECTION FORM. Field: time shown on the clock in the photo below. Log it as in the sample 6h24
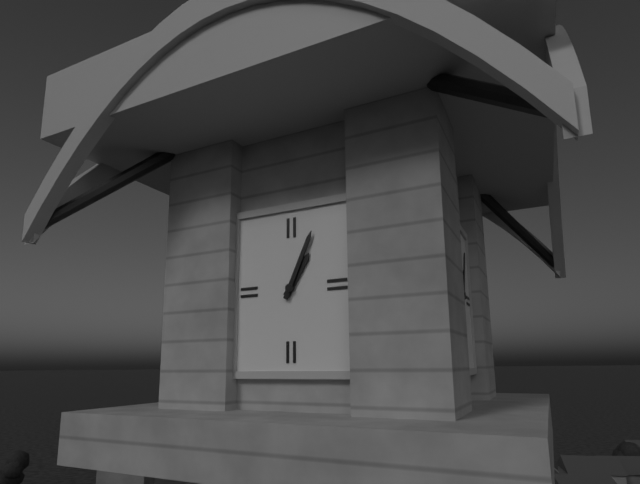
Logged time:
1h04
